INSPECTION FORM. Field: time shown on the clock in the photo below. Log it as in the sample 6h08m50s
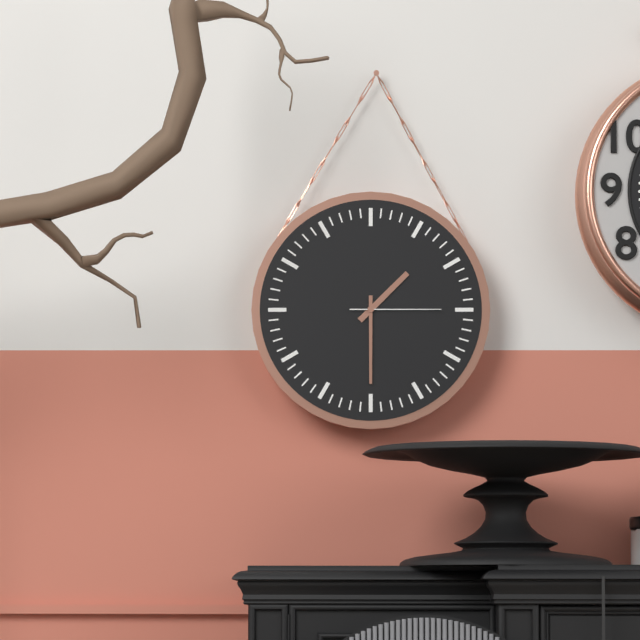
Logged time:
1h30m15s
